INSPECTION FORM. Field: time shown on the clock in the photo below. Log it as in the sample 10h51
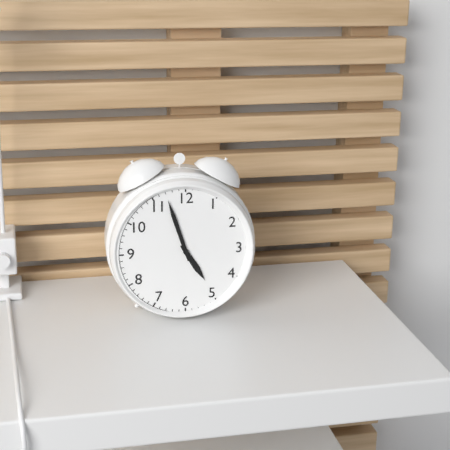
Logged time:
4h57
